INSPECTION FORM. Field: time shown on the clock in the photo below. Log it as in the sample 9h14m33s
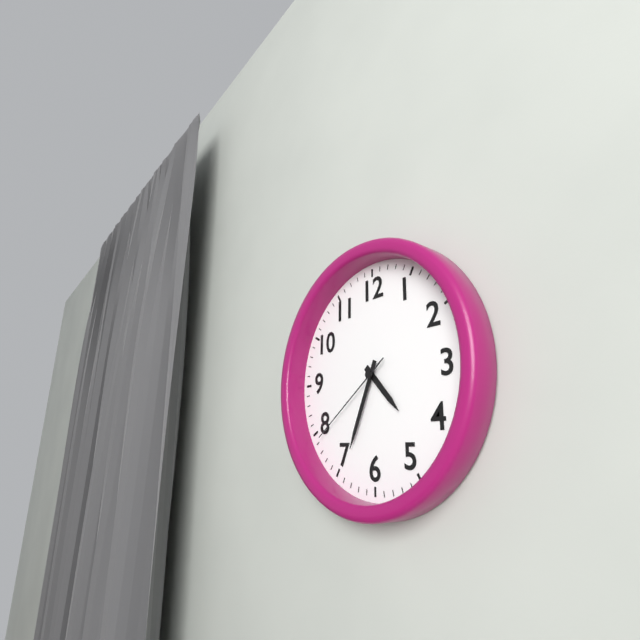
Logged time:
4h34m39s
